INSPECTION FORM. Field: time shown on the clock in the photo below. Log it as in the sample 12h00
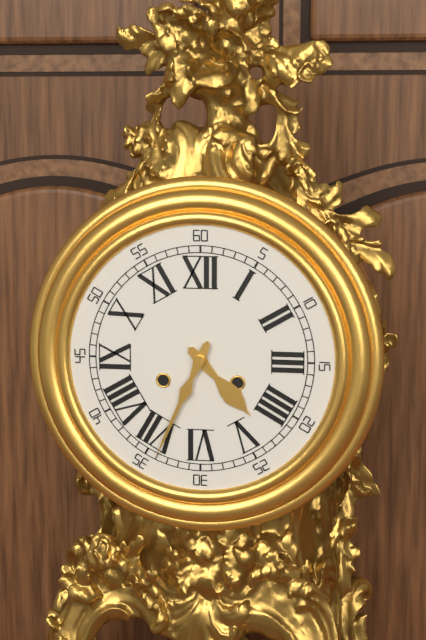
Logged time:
4h34
